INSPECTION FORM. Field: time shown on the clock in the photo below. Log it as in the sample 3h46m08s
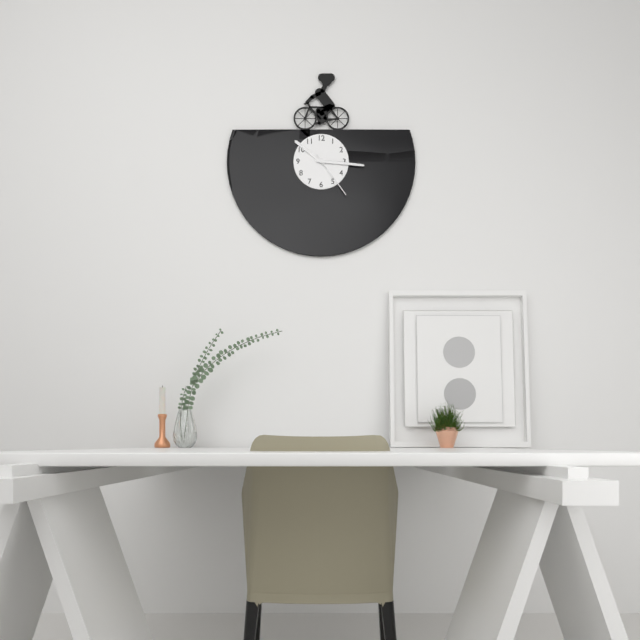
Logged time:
10h16m24s
